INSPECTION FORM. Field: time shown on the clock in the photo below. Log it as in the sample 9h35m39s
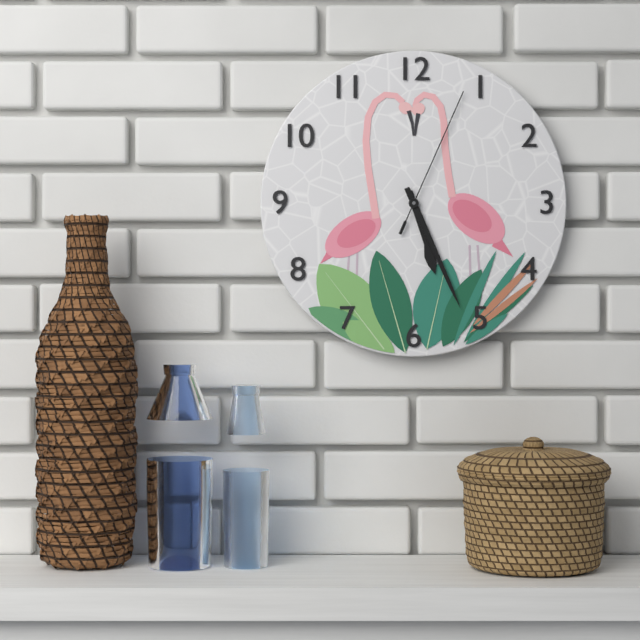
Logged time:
5h26m04s
